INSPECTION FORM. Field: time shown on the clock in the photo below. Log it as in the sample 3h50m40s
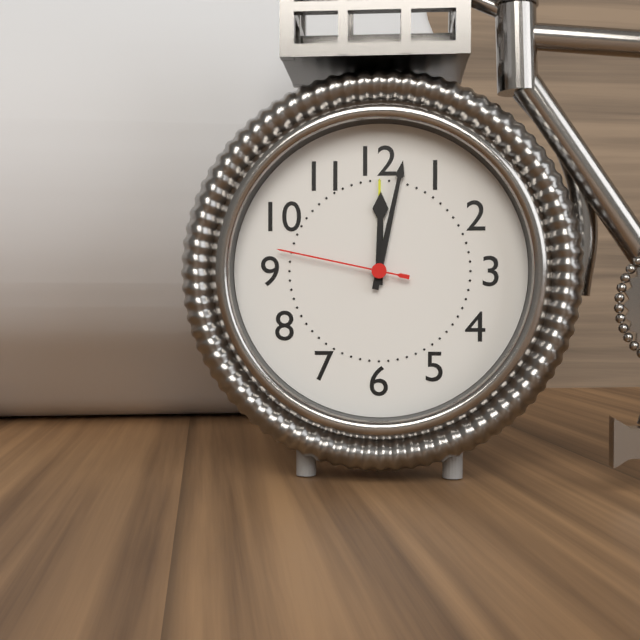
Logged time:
12h02m47s
